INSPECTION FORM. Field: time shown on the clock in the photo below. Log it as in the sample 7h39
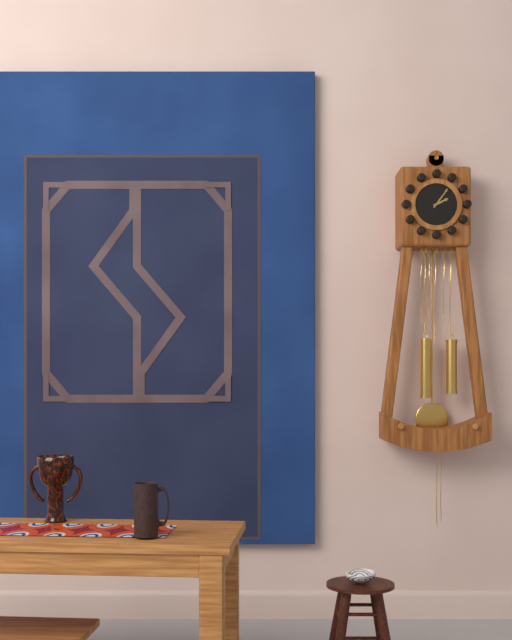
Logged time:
2h06
